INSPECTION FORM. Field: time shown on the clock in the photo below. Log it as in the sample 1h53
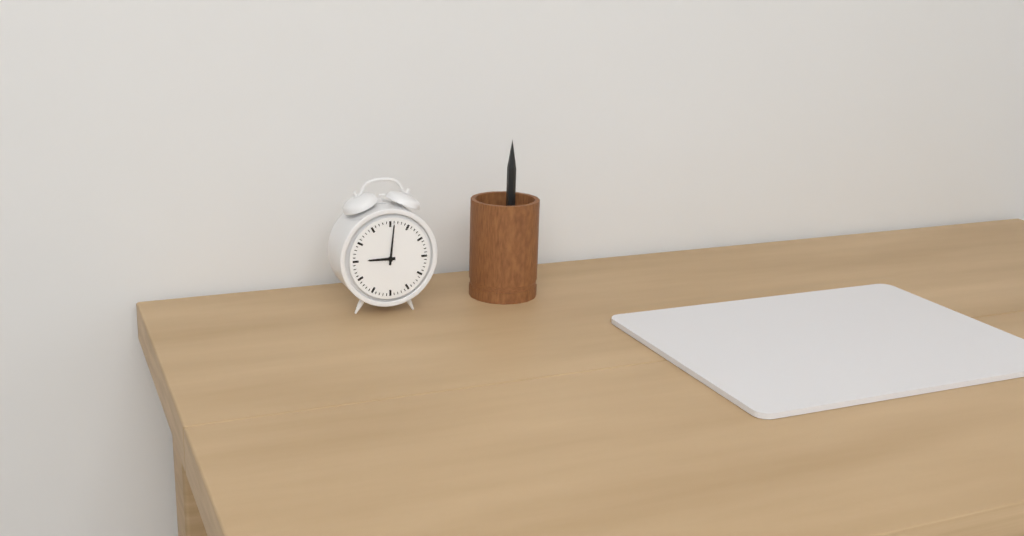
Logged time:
9h01
